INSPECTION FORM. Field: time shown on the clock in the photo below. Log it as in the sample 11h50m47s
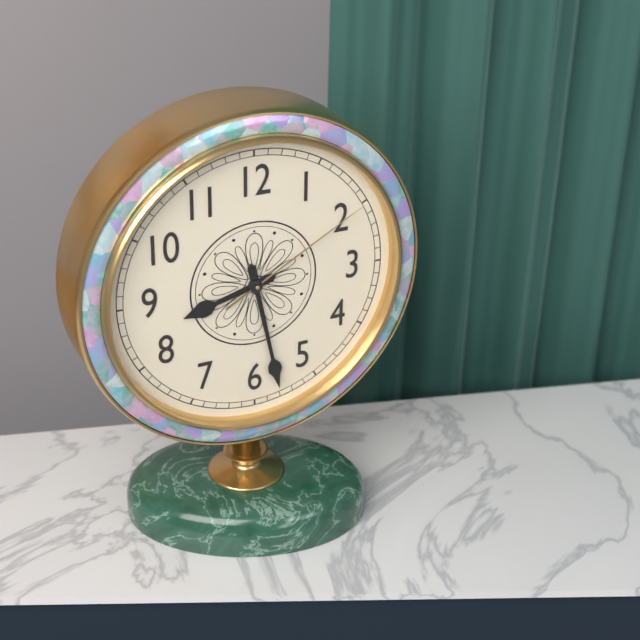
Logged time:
8h28m10s
